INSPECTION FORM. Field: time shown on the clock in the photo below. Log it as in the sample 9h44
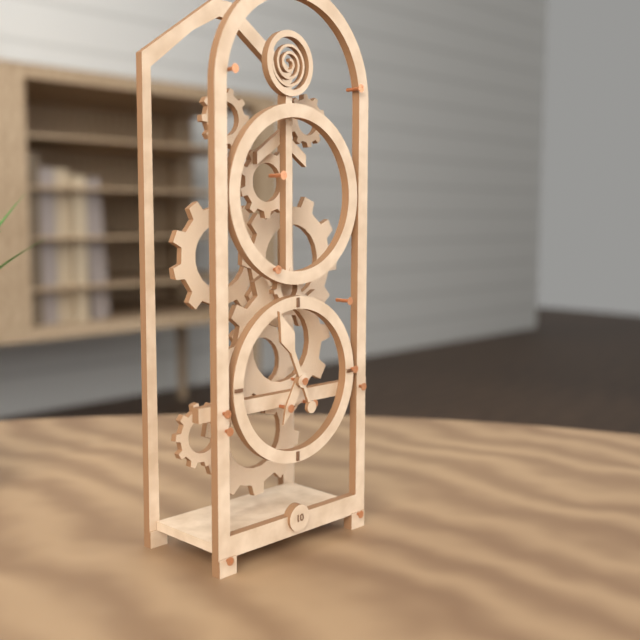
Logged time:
6h56
